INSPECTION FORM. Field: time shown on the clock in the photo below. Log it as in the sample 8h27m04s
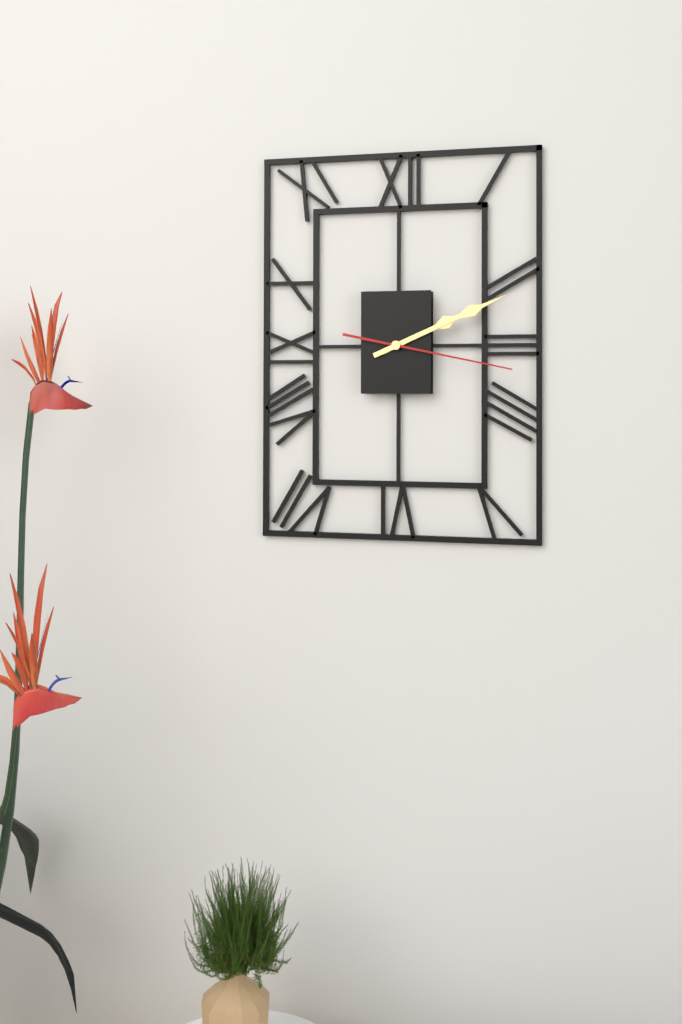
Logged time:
2h11m17s
